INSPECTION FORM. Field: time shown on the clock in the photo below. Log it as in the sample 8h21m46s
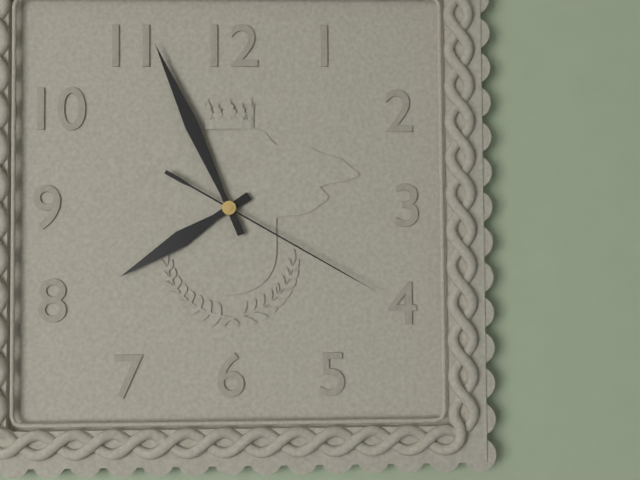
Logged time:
7h56m20s
